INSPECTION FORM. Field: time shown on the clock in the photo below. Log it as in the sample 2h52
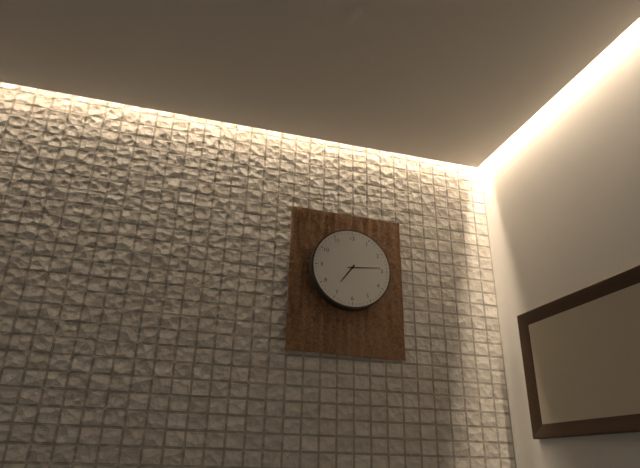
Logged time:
7h14
